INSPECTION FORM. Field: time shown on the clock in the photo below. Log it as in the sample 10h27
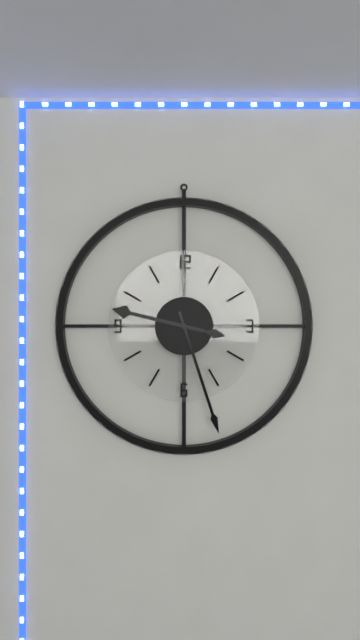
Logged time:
9h27
